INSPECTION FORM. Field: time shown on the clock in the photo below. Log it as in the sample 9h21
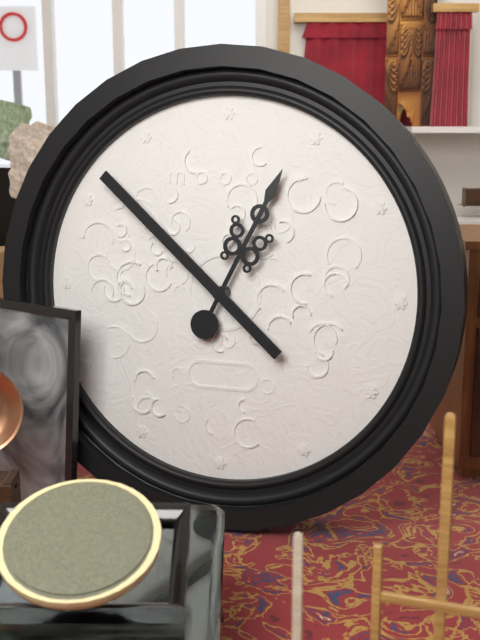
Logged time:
12h52
